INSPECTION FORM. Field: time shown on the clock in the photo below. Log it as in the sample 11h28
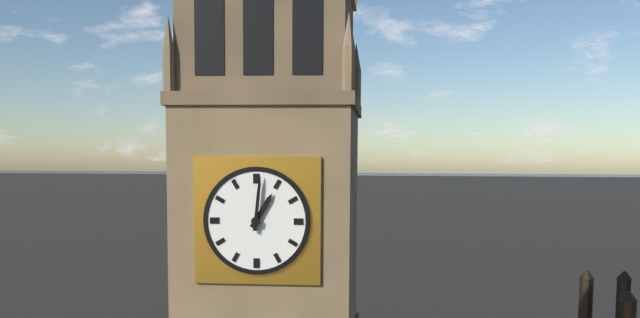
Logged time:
1h01
